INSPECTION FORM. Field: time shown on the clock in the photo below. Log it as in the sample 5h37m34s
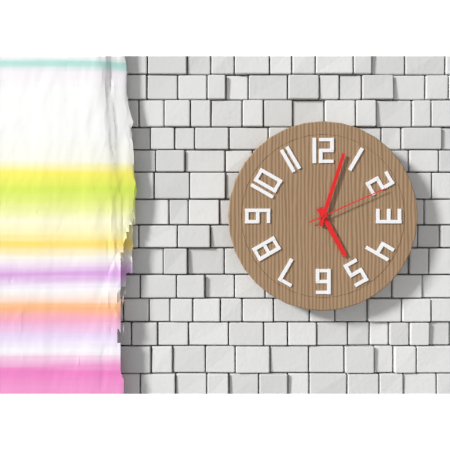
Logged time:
5h03m11s
